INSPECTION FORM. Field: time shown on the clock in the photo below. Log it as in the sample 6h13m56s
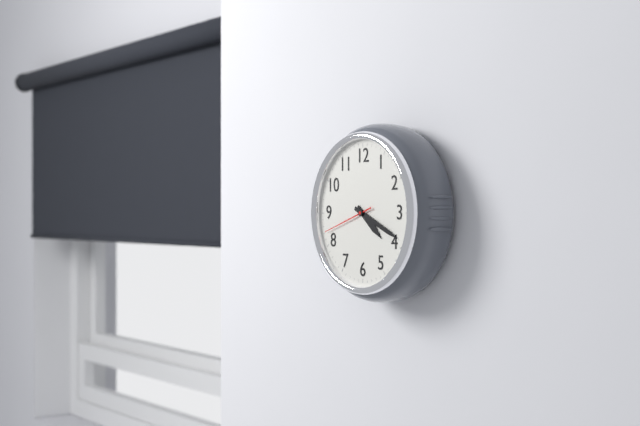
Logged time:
4h19m42s
